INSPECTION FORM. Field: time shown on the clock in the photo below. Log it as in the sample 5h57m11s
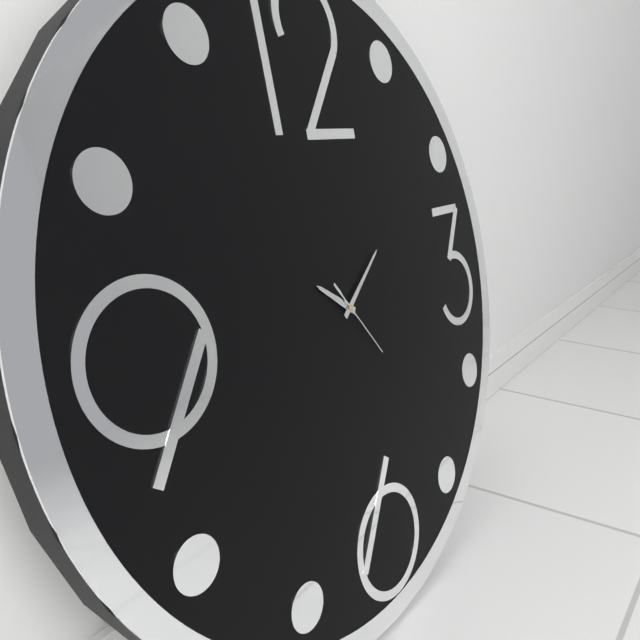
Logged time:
10h09m24s
